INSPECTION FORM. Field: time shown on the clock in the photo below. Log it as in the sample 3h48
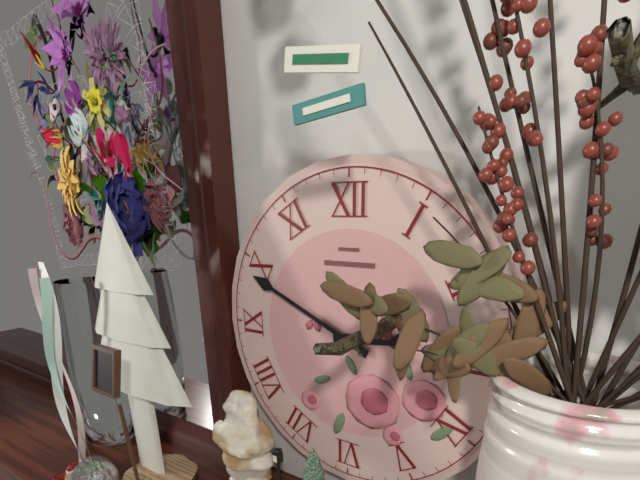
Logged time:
2h49
